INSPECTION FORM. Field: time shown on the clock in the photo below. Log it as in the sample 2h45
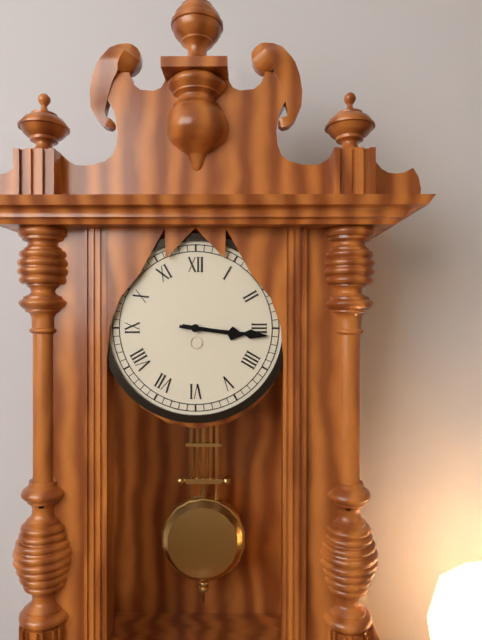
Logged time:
3h16
